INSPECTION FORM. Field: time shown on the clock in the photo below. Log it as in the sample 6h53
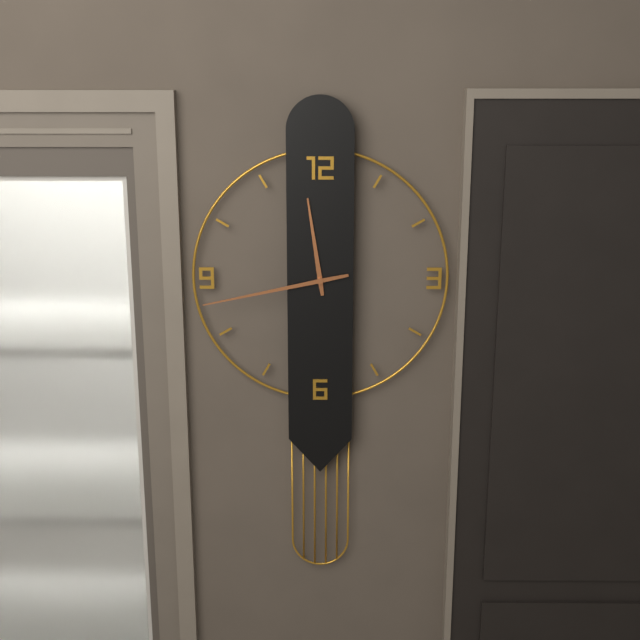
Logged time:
11h43
